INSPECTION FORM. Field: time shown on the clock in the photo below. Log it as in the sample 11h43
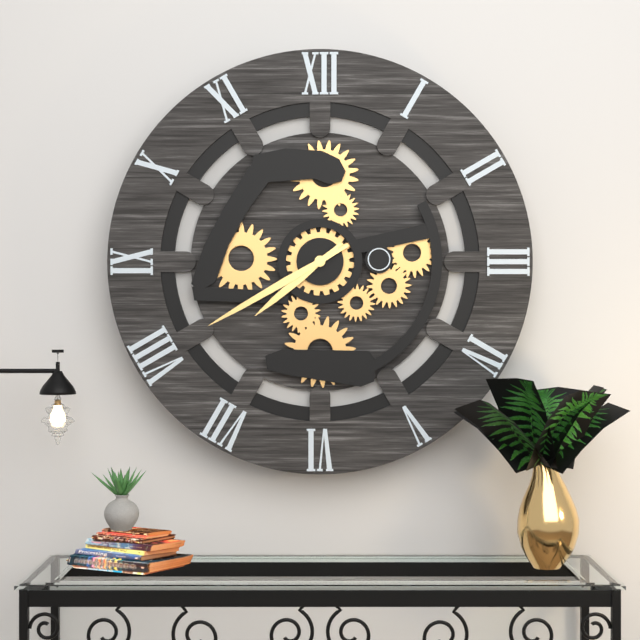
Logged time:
7h40
